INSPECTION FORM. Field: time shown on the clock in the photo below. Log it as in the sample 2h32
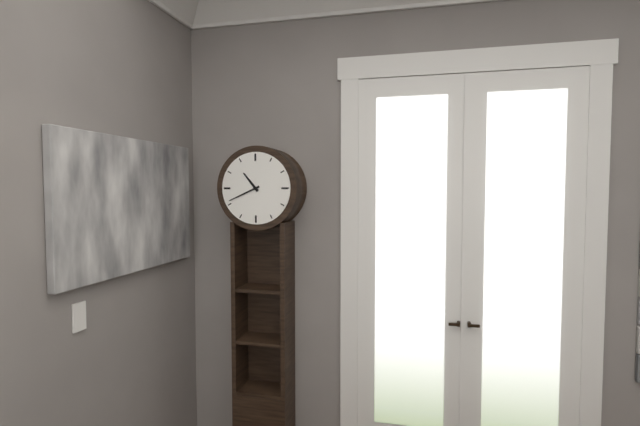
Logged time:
10h41
